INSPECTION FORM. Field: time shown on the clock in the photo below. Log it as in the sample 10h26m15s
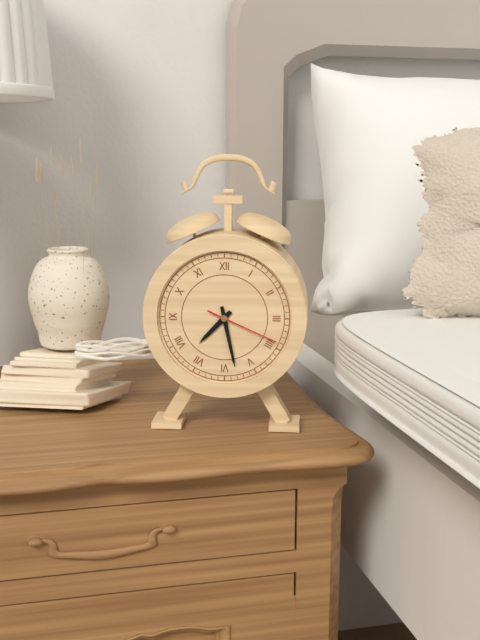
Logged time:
7h28m19s
